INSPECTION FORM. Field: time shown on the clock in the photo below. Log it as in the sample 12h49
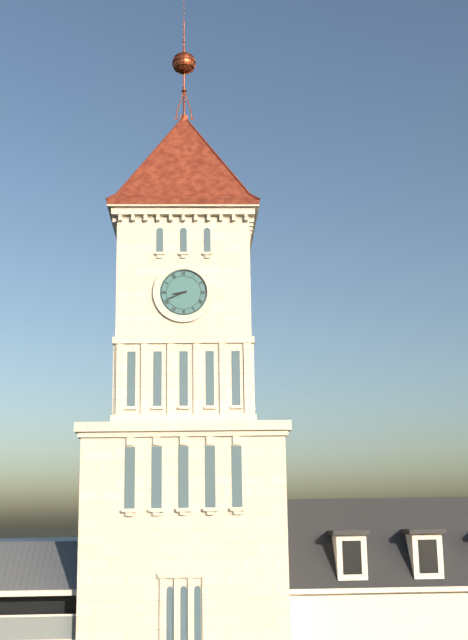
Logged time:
8h41
